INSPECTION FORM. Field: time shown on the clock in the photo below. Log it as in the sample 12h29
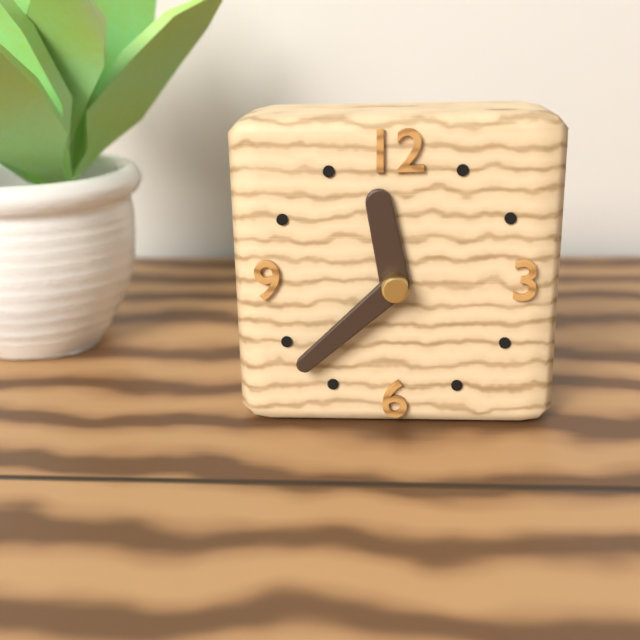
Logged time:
11h38
